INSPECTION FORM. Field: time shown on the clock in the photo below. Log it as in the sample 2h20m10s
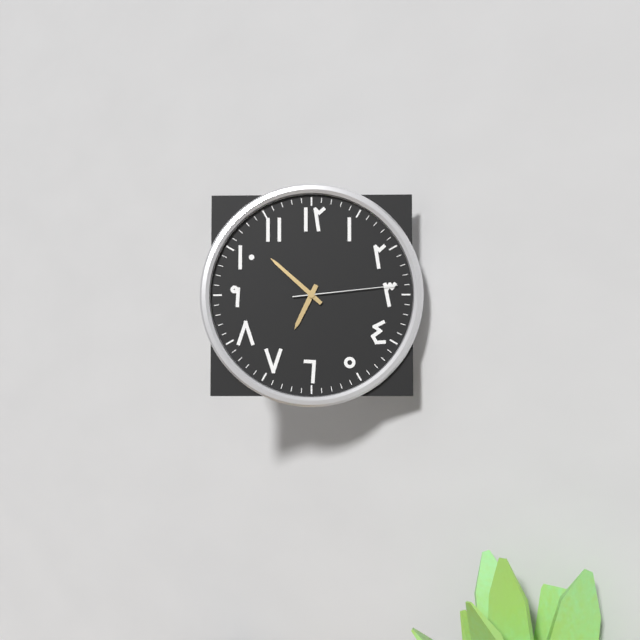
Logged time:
6h52m14s
